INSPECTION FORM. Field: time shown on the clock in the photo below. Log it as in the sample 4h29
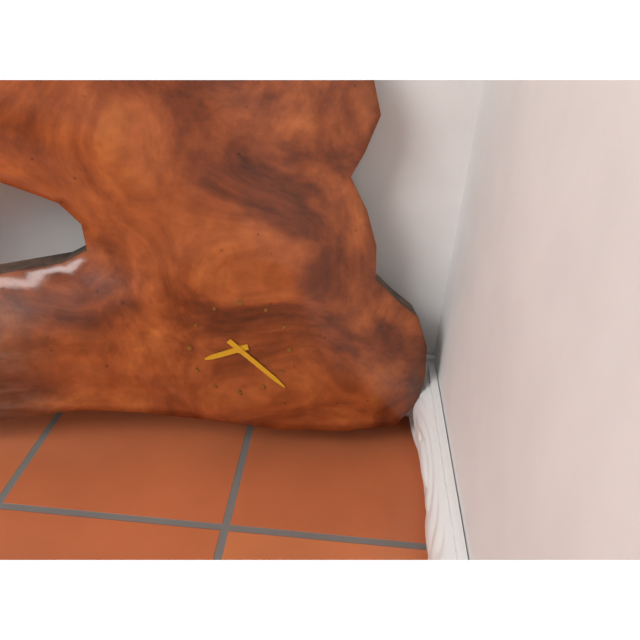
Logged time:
8h22
